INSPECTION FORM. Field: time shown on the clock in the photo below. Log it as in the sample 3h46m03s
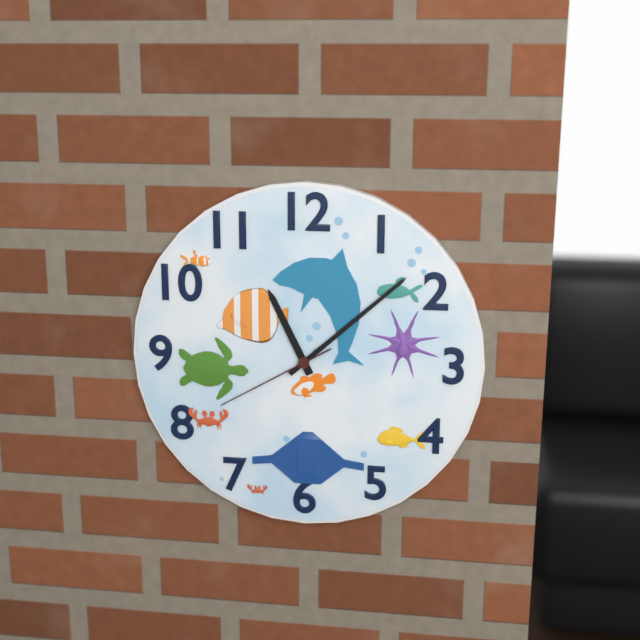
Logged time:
11h08m40s
